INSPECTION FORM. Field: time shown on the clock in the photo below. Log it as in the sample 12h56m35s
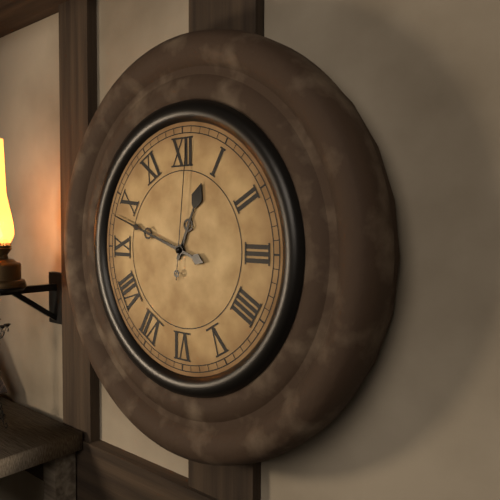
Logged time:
12h48m01s
